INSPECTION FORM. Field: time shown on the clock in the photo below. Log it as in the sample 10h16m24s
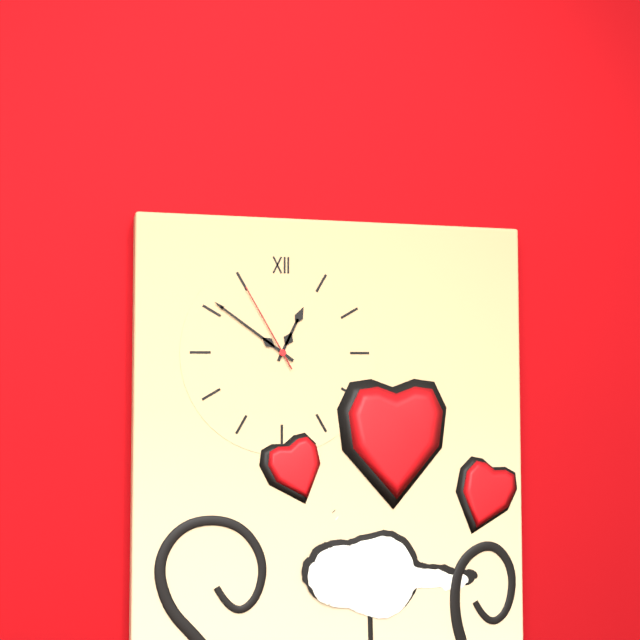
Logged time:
12h51m55s
